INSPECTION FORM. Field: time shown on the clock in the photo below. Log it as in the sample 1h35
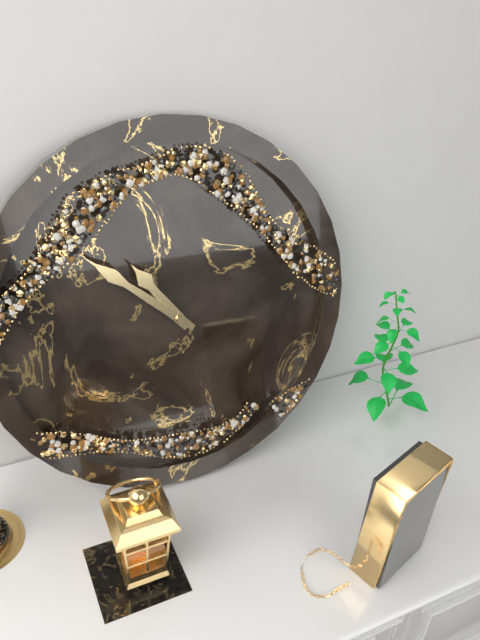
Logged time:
10h52
